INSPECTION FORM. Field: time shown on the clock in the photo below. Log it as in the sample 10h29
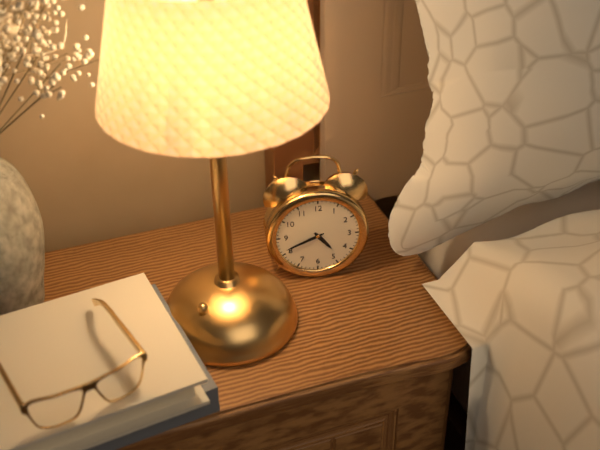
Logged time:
4h41
